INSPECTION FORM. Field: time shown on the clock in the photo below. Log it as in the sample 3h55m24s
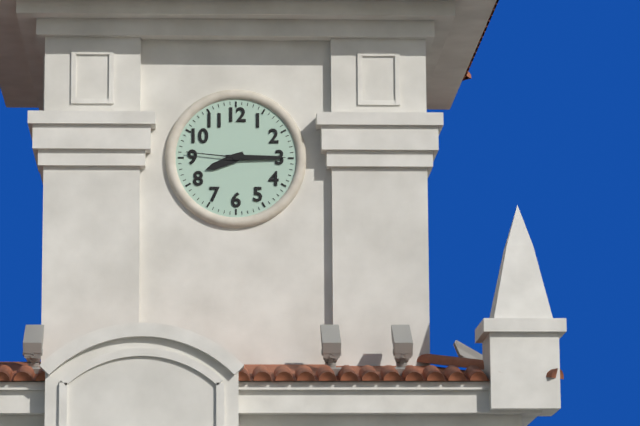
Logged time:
8h15m46s
